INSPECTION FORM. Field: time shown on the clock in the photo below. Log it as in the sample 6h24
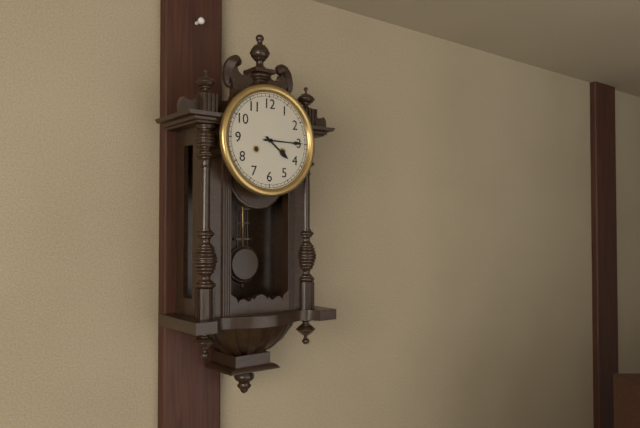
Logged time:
4h15
